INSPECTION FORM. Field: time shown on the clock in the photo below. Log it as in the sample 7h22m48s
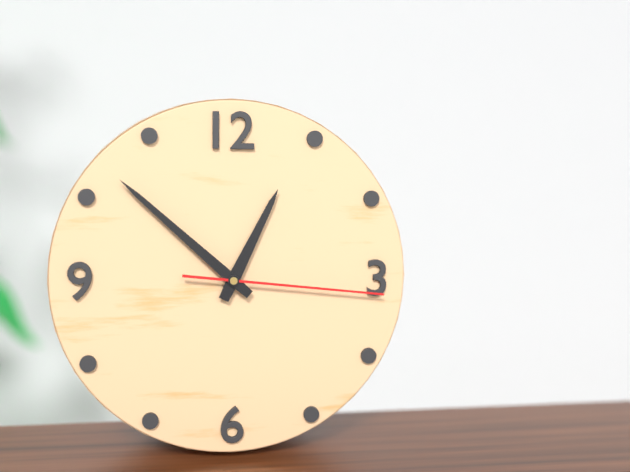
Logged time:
12h52m16s
